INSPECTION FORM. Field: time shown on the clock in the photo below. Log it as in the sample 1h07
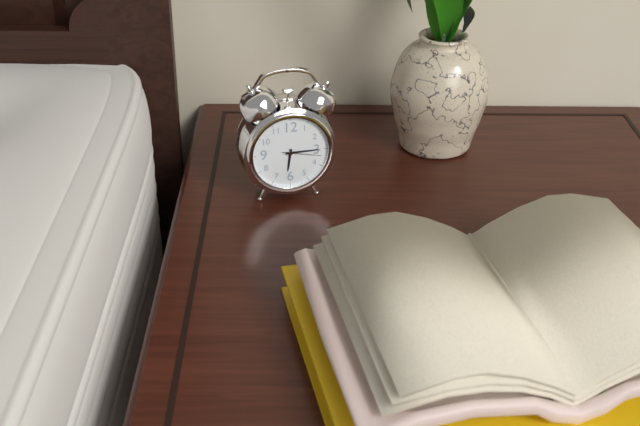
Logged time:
6h15
